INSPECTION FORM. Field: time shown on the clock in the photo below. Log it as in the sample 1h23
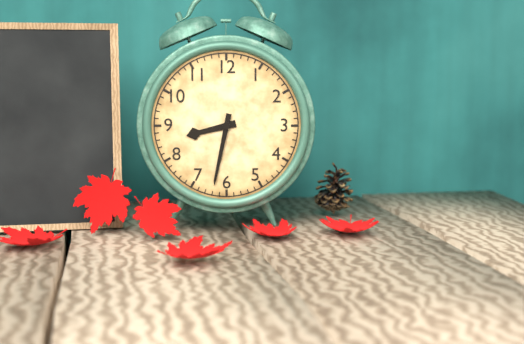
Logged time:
8h32
